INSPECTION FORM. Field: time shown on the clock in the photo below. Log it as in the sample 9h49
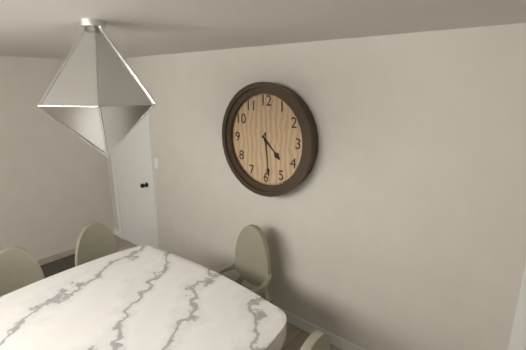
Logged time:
4h29
